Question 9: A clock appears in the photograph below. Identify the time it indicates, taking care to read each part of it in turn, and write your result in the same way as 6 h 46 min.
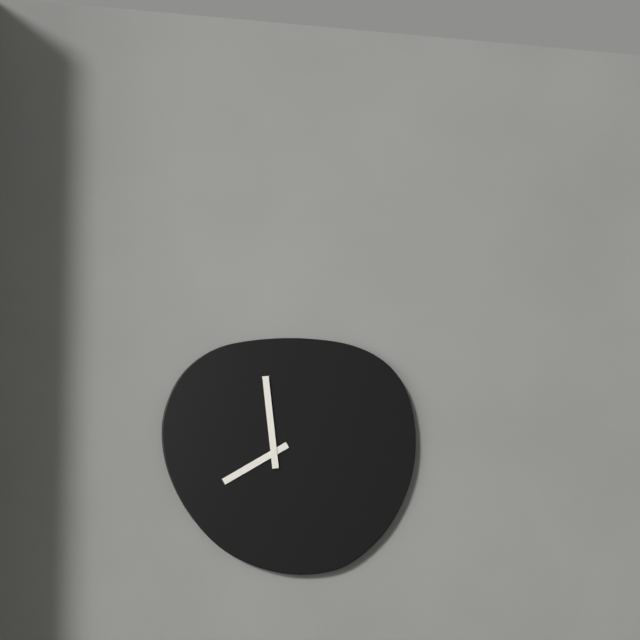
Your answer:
7 h 59 min
